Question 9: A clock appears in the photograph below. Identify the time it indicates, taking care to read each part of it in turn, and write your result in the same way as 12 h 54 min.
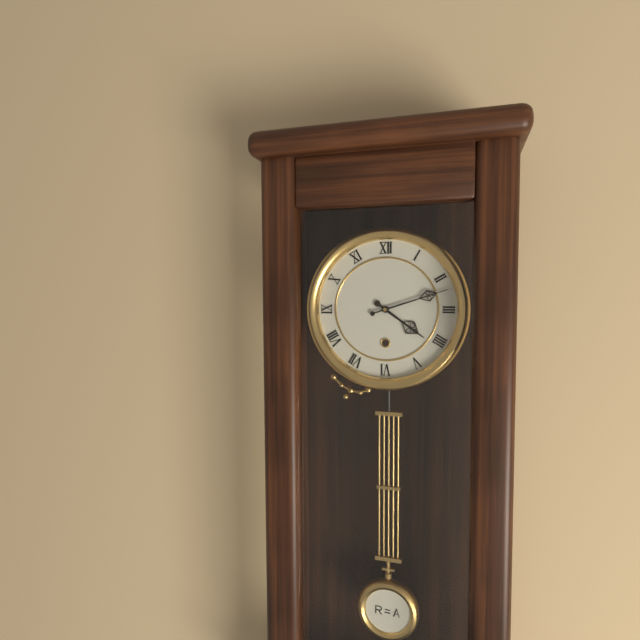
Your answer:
4 h 12 min
